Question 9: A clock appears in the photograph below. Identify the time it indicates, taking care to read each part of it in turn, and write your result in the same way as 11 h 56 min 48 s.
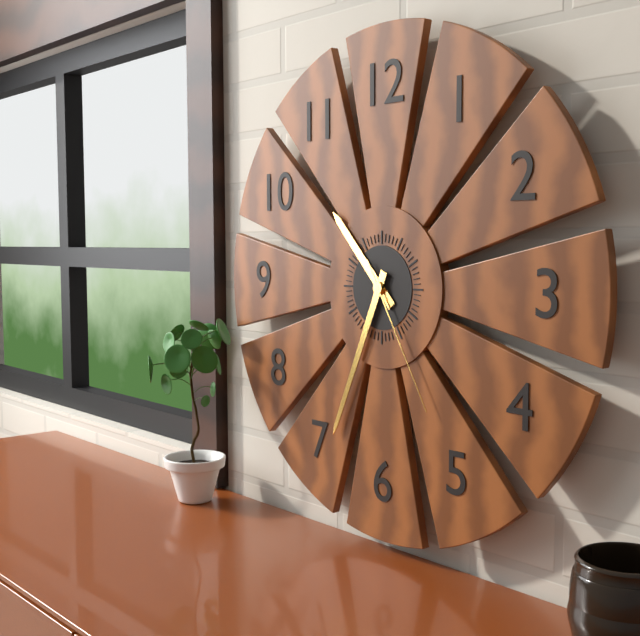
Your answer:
10 h 34 min 25 s
